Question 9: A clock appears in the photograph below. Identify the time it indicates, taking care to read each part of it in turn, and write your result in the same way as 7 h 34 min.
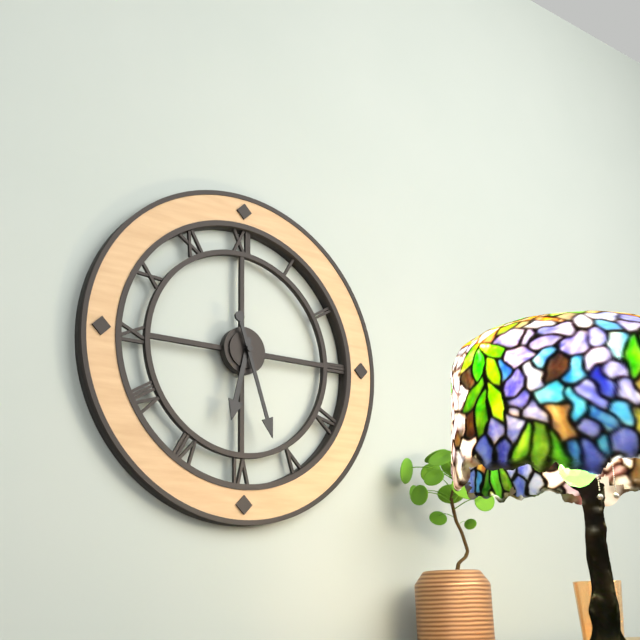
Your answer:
6 h 27 min
